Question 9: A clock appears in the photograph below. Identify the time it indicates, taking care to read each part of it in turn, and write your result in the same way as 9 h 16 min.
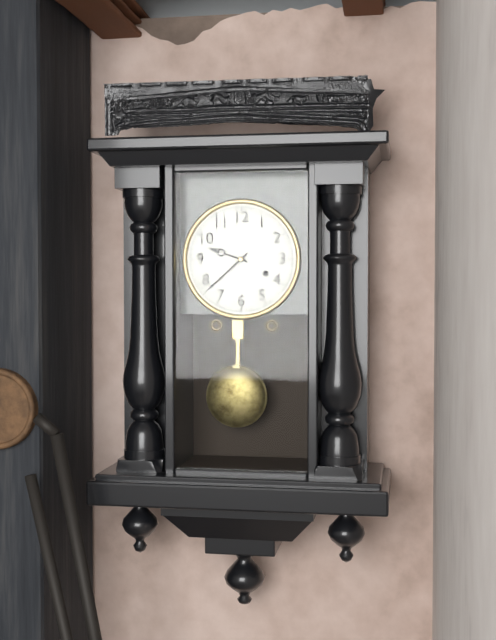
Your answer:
9 h 38 min
